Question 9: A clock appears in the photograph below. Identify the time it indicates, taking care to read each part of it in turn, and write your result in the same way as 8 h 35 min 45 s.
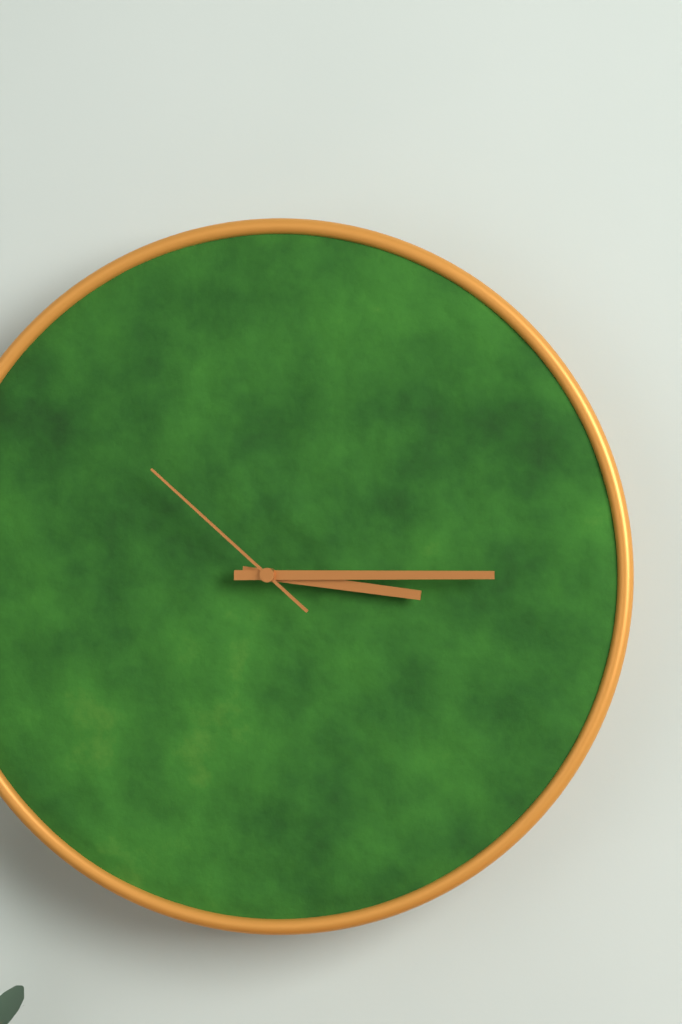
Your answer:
3 h 15 min 52 s
